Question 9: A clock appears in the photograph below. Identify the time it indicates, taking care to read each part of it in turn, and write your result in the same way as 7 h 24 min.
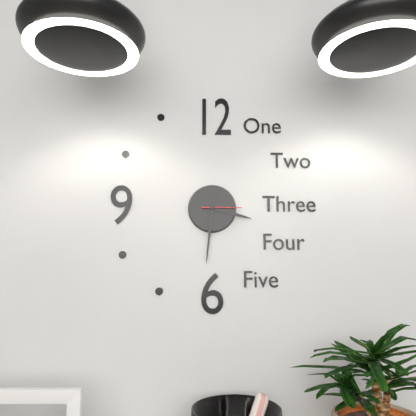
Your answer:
3 h 31 min
